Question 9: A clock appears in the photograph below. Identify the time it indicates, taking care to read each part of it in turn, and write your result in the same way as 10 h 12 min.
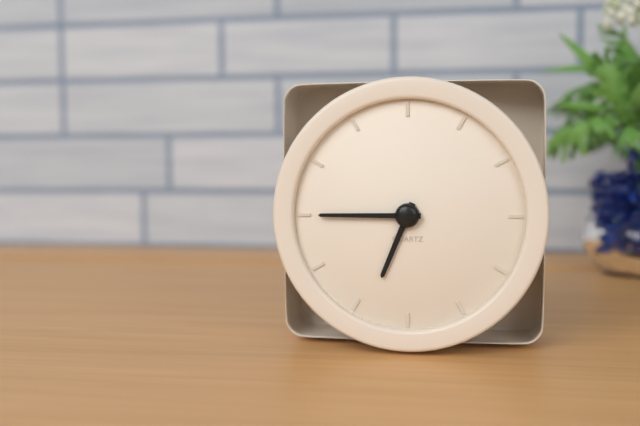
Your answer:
6 h 45 min
